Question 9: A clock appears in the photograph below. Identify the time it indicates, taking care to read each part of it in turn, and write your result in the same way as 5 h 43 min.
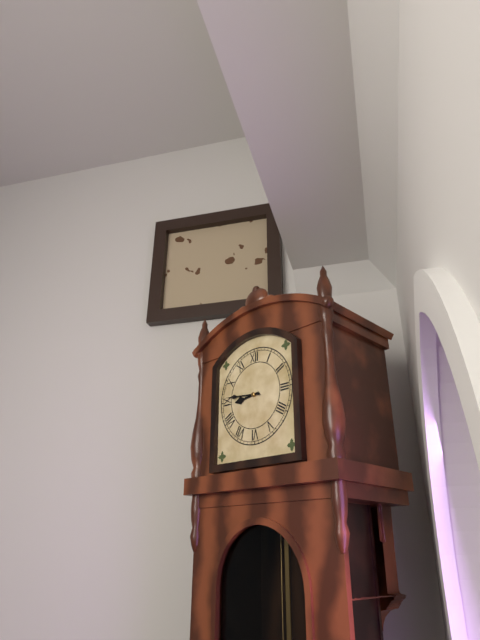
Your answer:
8 h 46 min
